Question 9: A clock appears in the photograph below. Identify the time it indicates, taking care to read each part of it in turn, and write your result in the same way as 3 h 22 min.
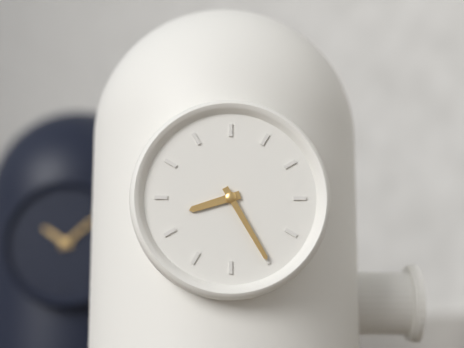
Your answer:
8 h 25 min
